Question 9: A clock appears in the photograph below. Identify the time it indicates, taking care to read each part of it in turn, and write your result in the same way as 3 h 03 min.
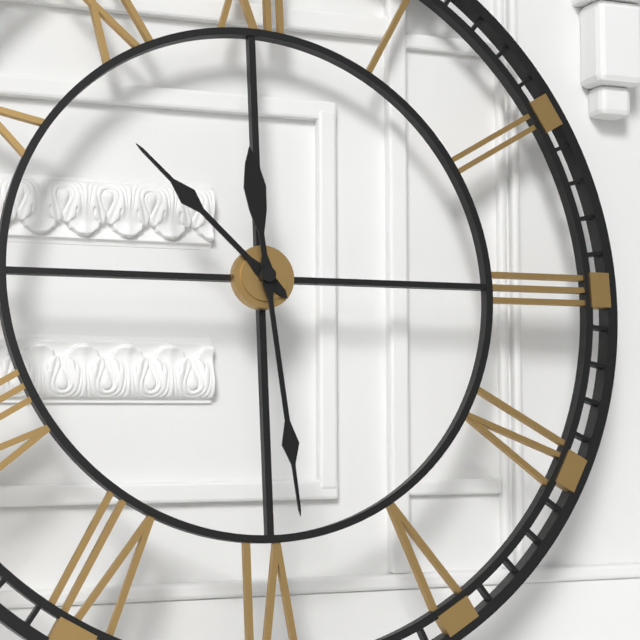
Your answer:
10 h 29 min
